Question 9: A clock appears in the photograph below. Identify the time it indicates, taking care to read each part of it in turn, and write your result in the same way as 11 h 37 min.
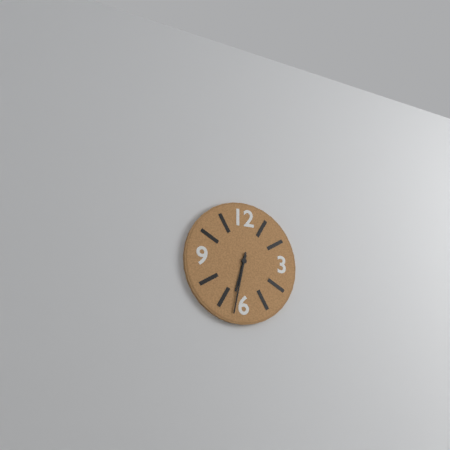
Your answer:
6 h 32 min
